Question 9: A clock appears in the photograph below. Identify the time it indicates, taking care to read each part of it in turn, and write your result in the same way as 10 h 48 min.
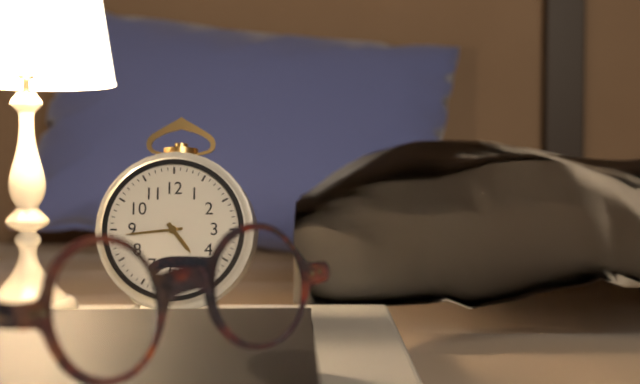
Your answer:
4 h 44 min
